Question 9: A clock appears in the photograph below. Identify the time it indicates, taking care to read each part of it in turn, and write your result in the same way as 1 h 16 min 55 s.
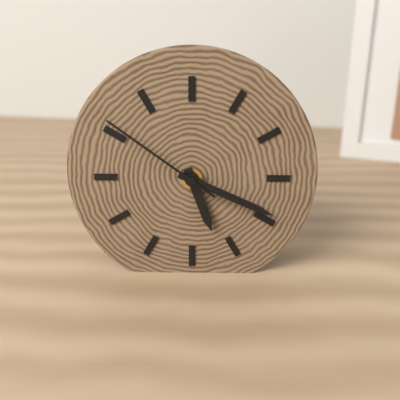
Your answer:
5 h 19 min 51 s
